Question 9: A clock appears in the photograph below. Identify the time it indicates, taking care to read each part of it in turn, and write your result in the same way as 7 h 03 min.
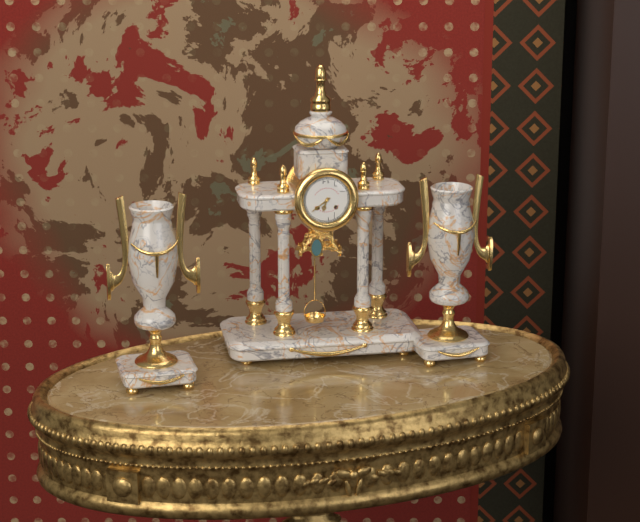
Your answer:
6 h 39 min
